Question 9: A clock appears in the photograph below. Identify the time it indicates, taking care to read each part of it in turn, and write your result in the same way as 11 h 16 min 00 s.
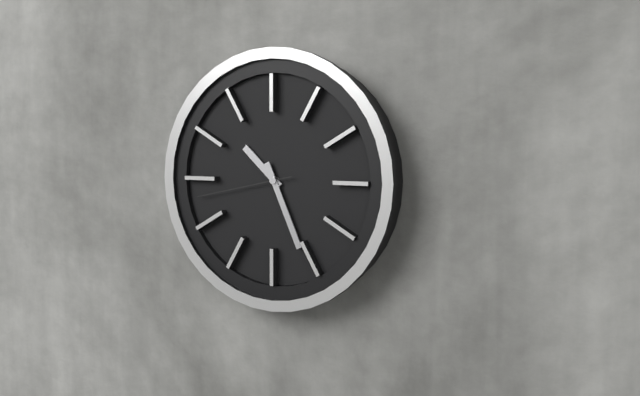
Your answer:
10 h 26 min 43 s
